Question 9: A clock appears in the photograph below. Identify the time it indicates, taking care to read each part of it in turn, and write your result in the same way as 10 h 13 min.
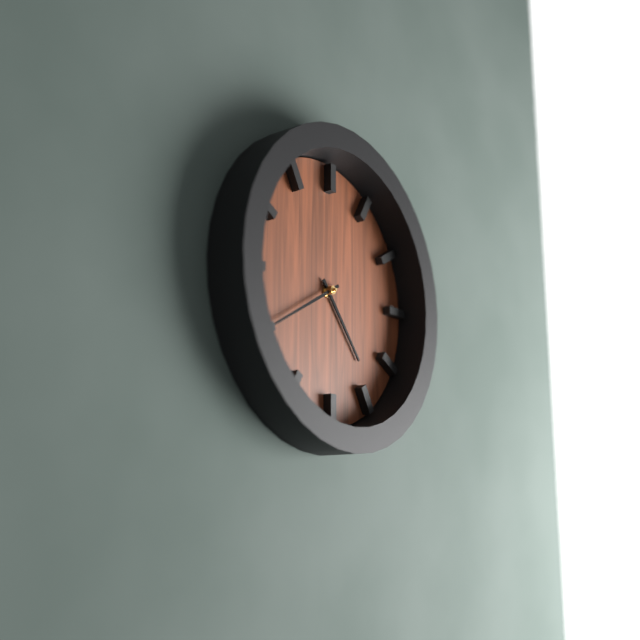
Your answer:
4 h 40 min
